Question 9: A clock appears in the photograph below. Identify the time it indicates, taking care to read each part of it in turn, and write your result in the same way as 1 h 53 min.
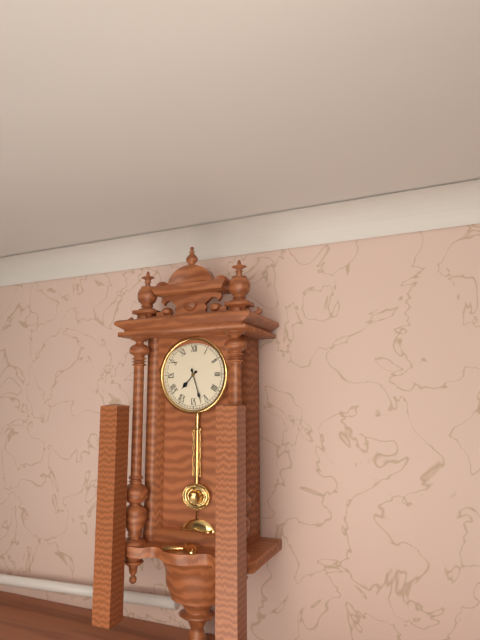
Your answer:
7 h 27 min
